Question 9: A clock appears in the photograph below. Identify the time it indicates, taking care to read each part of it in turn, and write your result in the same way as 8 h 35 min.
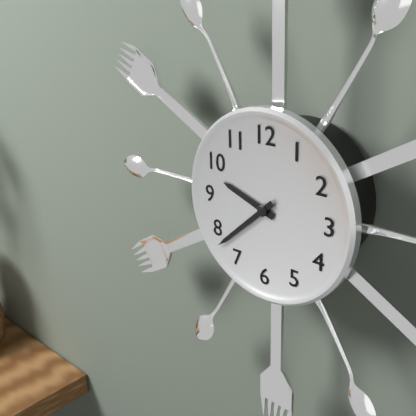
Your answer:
9 h 38 min
